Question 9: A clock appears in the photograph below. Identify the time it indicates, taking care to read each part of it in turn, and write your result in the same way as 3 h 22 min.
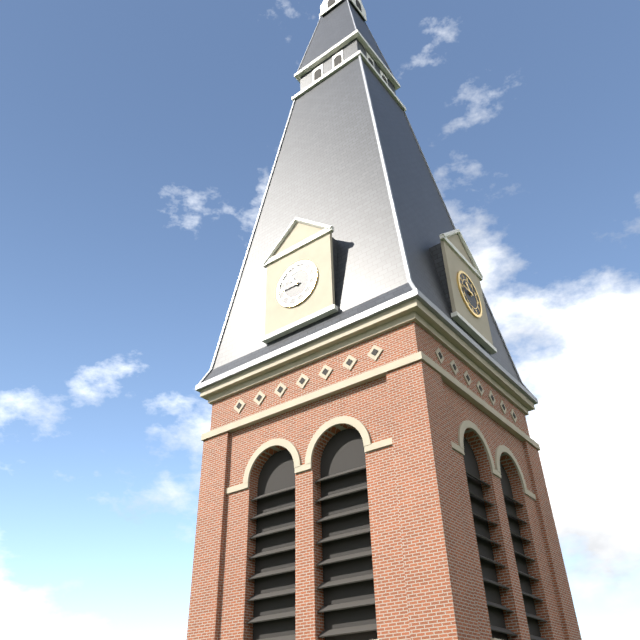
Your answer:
10 h 45 min
